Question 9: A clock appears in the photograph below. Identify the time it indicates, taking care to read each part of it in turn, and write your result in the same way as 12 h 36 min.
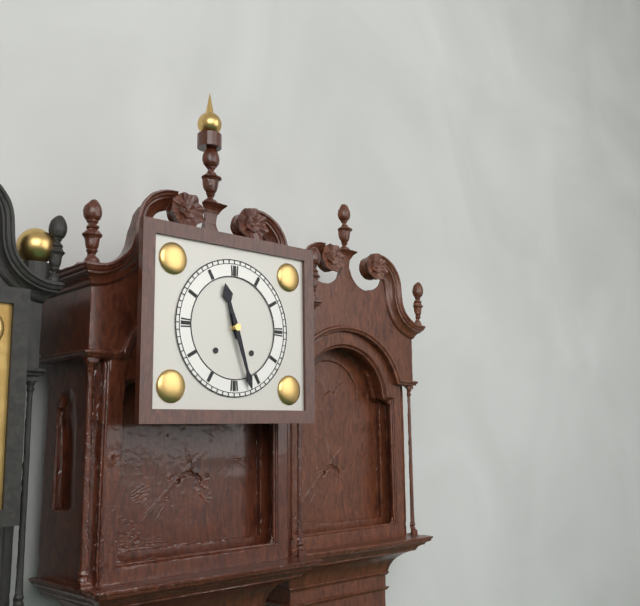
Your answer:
11 h 27 min
